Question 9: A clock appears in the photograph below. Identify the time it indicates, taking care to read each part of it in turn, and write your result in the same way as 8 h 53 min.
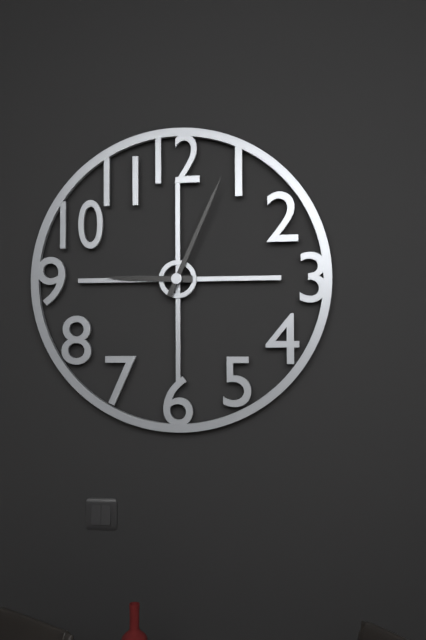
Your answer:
9 h 04 min
